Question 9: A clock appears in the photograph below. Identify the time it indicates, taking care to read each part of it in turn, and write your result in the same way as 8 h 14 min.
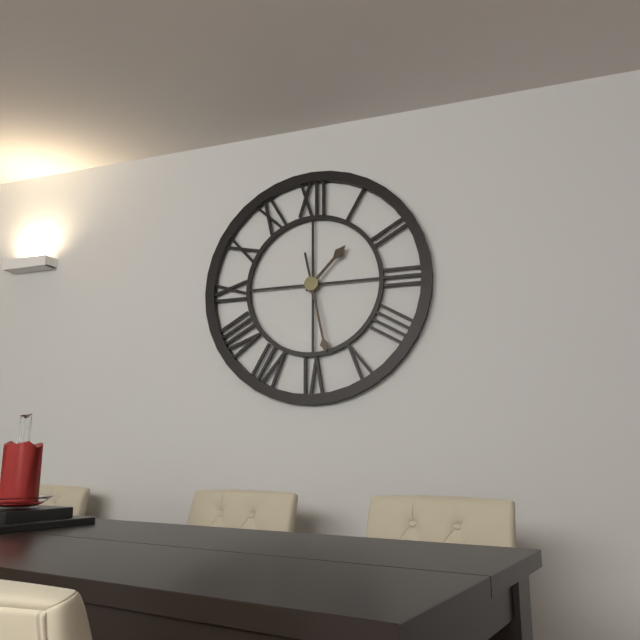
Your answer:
1 h 28 min
